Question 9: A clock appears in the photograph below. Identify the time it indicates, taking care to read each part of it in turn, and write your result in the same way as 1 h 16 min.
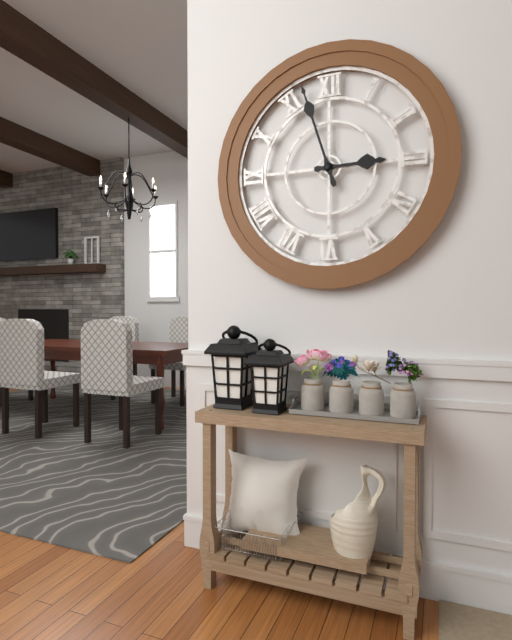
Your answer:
2 h 57 min
